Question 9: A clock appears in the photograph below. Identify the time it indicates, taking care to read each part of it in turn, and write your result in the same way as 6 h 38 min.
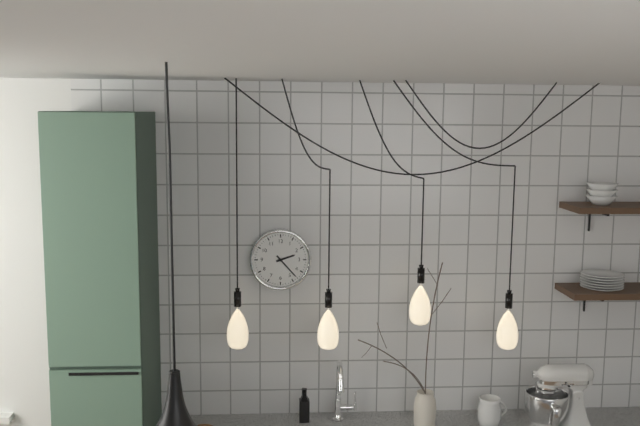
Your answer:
2 h 23 min
